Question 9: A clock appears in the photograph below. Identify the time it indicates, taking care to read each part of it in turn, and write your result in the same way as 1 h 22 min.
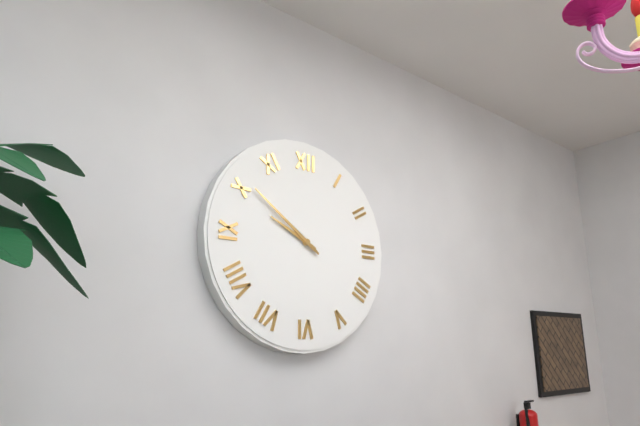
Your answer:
9 h 51 min
